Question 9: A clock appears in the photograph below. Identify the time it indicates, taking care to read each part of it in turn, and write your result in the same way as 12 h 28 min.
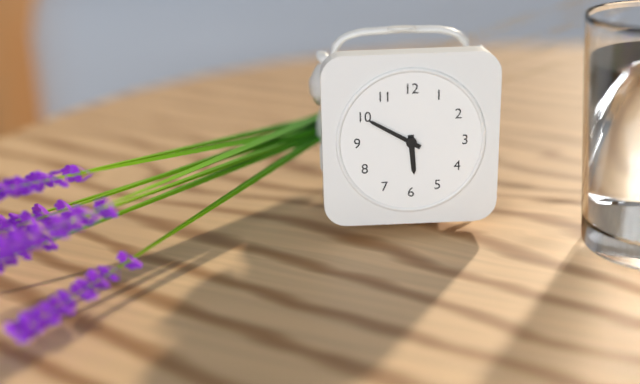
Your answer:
5 h 50 min
